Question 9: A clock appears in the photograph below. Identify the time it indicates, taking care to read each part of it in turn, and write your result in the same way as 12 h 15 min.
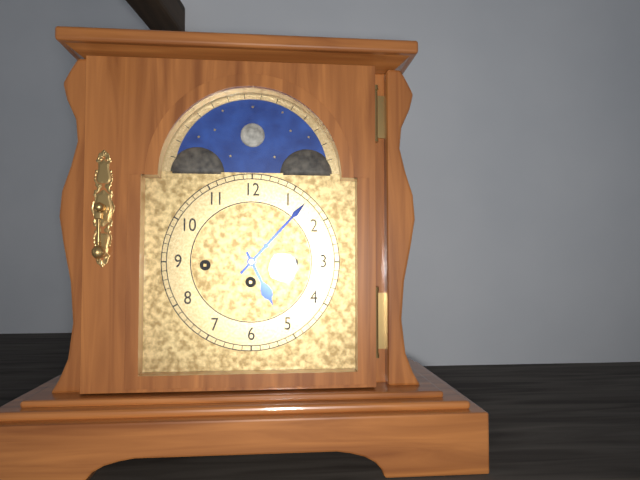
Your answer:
5 h 07 min
